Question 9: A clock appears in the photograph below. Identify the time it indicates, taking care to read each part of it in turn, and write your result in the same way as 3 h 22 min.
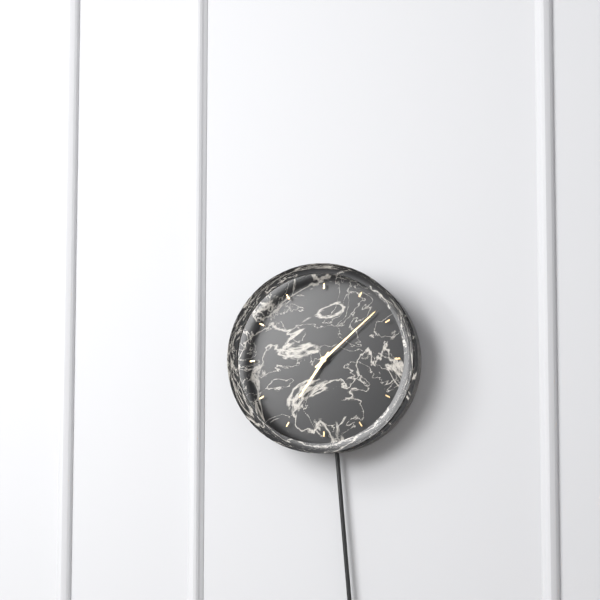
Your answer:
7 h 08 min
